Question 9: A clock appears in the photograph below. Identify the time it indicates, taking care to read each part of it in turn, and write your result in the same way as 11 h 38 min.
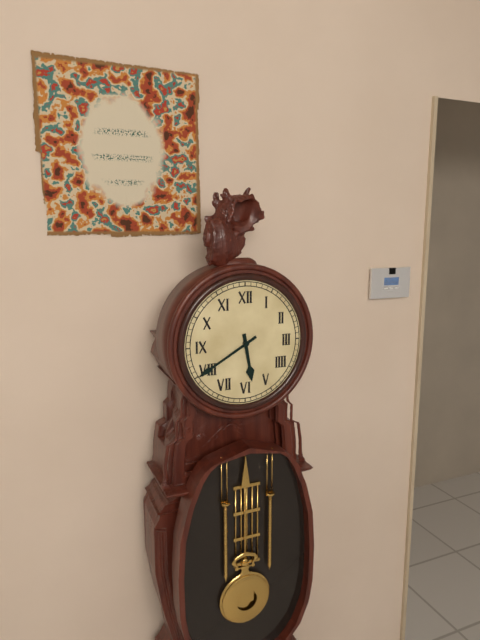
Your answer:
5 h 40 min
